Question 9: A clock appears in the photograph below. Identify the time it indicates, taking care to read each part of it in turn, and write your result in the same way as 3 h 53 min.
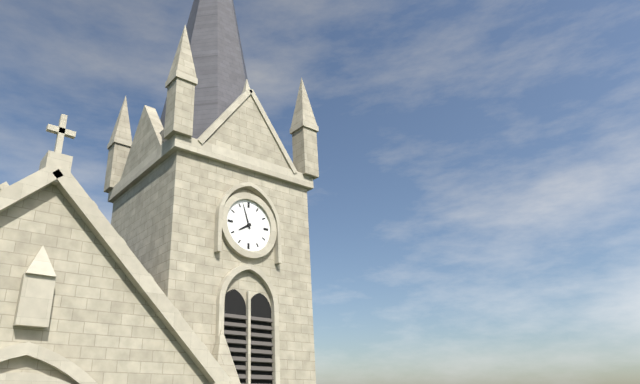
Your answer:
7 h 57 min
